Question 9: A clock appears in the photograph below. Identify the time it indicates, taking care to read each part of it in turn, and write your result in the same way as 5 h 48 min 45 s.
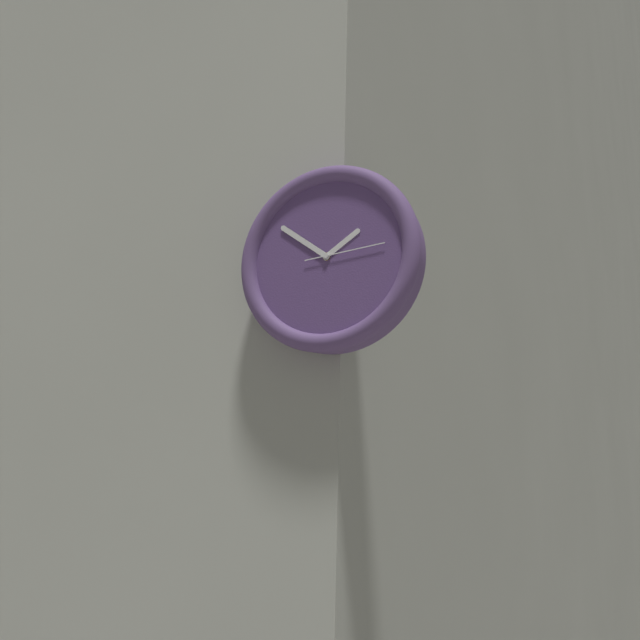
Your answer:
1 h 51 min 14 s
